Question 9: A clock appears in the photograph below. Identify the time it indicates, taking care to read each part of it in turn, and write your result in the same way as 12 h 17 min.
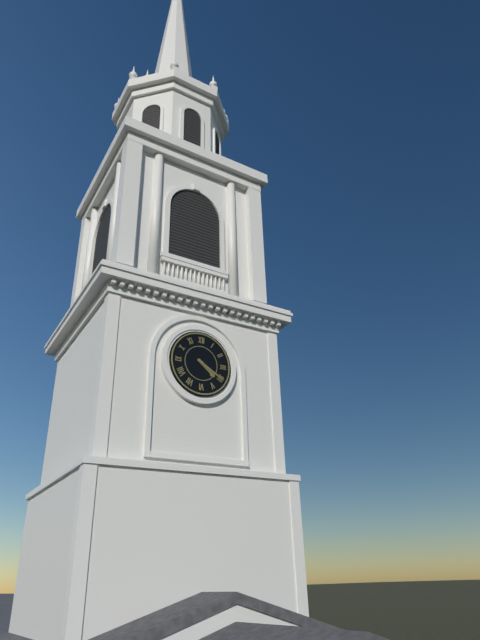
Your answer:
4 h 20 min
